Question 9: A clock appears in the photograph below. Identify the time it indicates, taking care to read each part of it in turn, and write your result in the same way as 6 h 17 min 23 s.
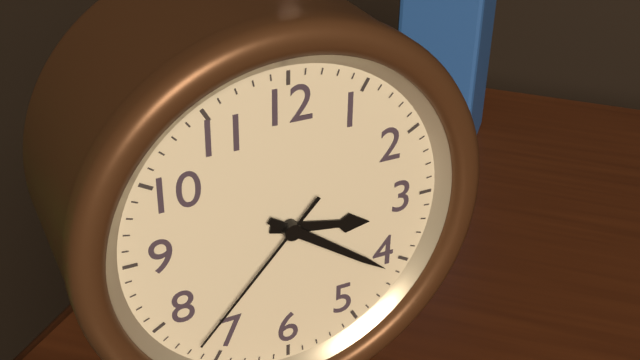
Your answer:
3 h 21 min 37 s
